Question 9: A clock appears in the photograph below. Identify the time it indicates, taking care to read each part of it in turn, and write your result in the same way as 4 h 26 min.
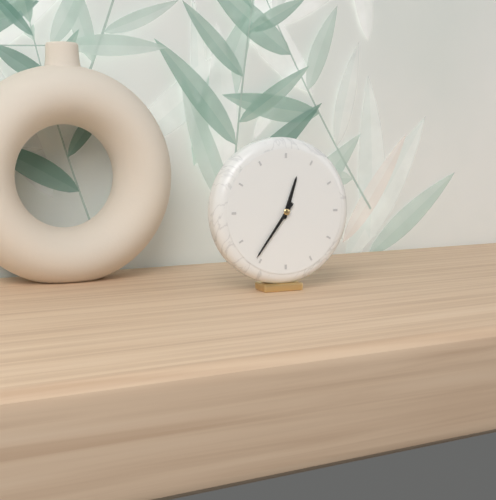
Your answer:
12 h 36 min
